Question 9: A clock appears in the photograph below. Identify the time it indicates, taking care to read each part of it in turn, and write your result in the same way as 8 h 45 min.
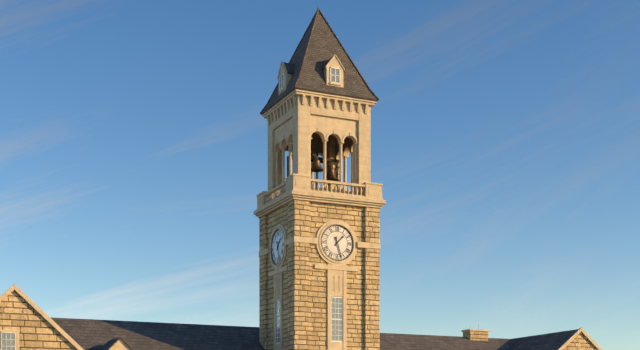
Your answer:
1 h 27 min
